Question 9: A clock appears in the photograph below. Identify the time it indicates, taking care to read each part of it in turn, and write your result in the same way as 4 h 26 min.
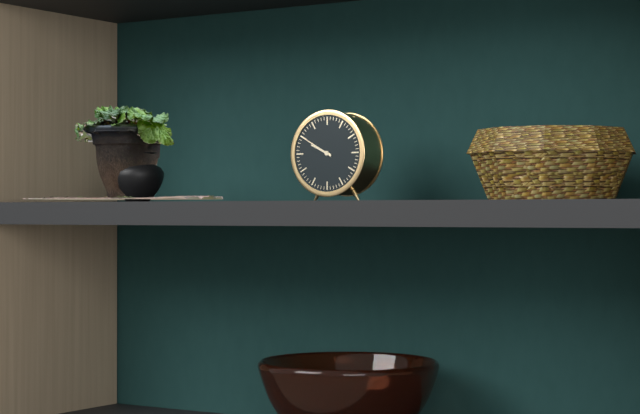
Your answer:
9 h 50 min
